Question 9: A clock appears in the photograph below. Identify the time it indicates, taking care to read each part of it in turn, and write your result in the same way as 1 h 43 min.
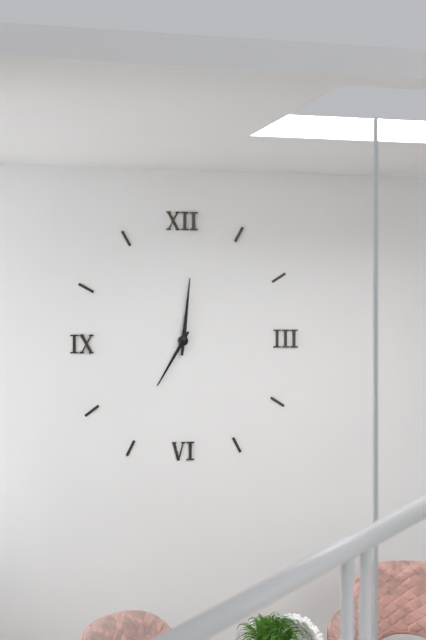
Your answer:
7 h 01 min
